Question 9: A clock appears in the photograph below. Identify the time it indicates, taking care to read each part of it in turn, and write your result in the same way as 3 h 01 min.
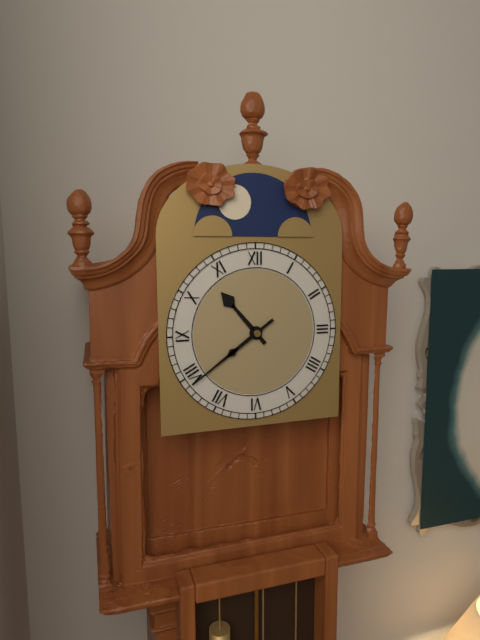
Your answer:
10 h 39 min
